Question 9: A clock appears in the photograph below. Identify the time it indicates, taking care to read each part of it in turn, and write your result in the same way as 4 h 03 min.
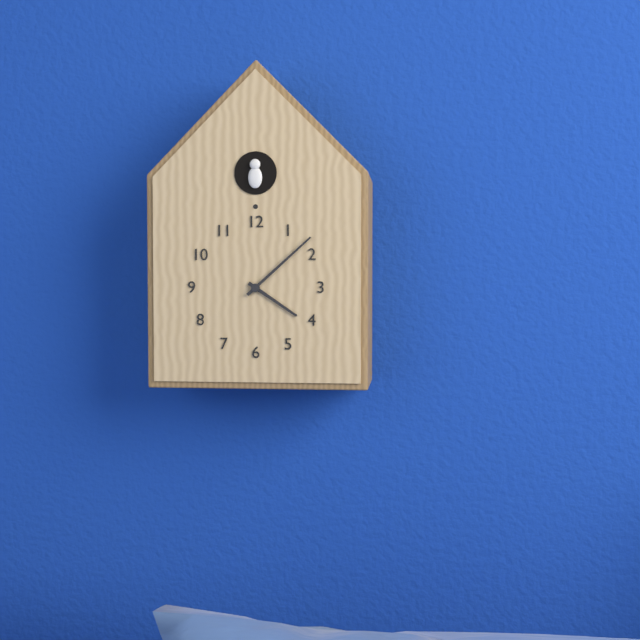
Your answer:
4 h 08 min
